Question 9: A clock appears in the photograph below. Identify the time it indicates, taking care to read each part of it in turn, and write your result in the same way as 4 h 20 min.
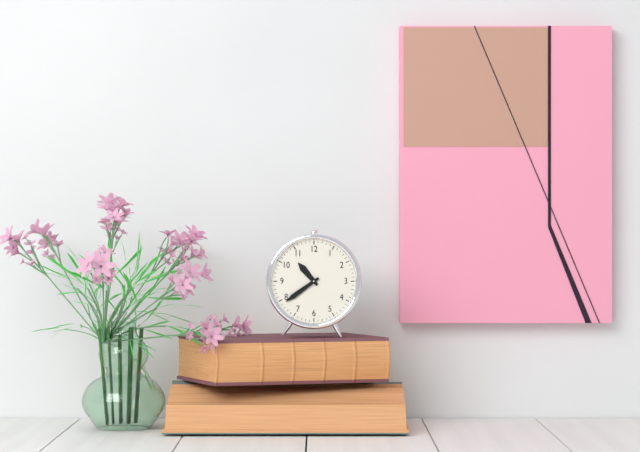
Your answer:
10 h 39 min
